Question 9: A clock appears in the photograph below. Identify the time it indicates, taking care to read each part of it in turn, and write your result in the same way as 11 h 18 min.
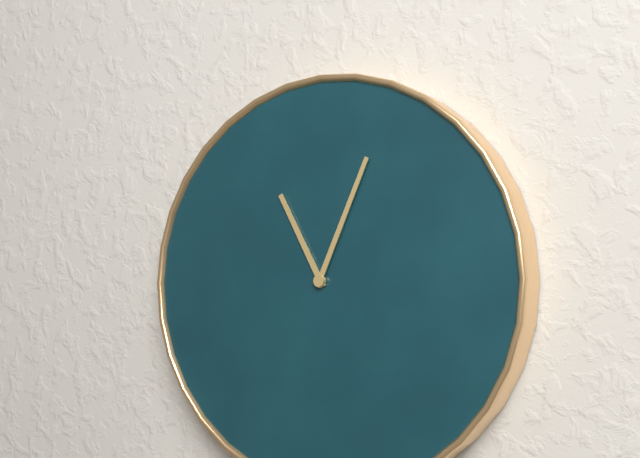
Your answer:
11 h 04 min
